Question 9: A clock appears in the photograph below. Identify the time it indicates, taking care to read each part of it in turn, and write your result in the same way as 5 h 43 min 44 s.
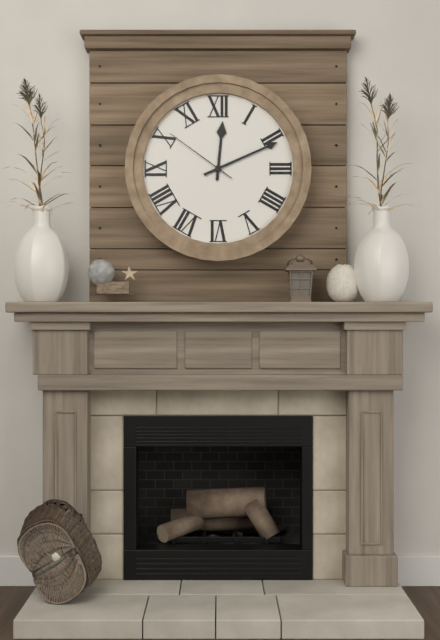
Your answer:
12 h 11 min 51 s
